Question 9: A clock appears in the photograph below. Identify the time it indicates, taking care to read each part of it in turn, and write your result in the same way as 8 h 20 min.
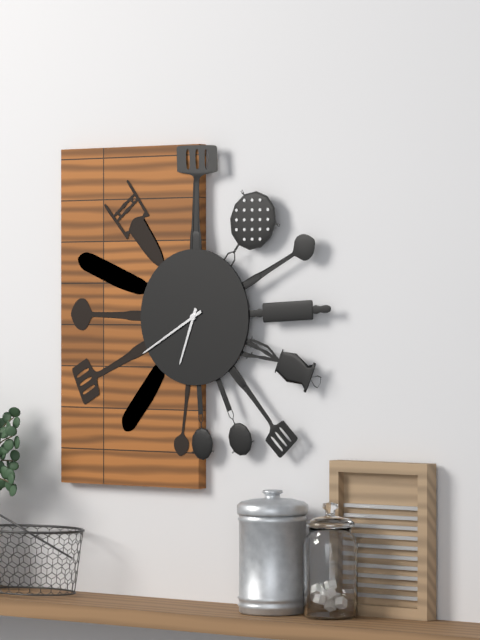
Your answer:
6 h 40 min
